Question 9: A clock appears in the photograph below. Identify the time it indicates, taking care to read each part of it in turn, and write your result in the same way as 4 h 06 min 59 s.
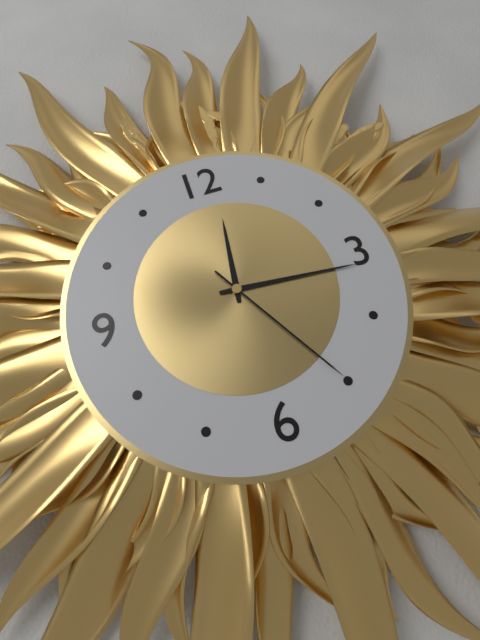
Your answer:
12 h 16 min 25 s
